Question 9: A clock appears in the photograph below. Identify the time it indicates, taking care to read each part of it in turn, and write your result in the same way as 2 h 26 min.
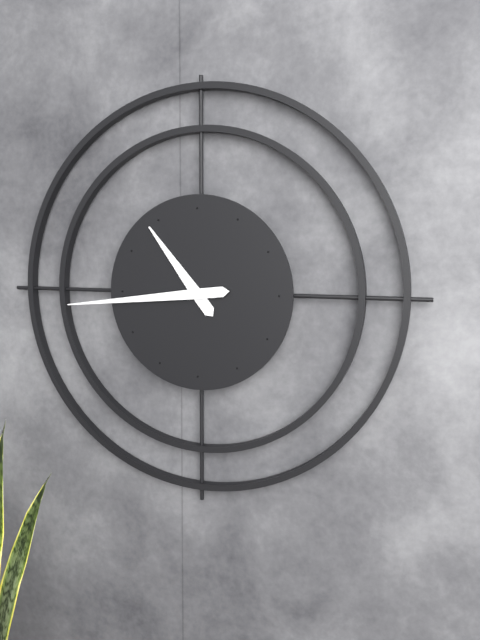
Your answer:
10 h 44 min
